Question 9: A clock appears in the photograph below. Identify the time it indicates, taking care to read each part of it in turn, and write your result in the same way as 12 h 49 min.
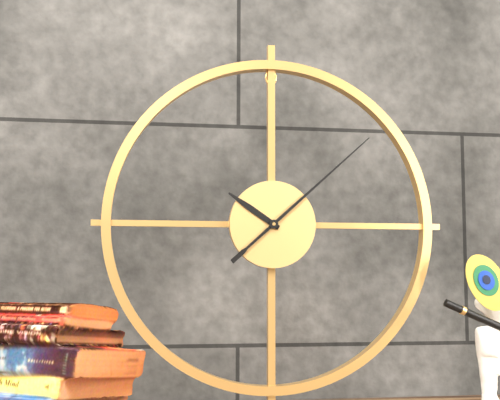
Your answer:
10 h 08 min
